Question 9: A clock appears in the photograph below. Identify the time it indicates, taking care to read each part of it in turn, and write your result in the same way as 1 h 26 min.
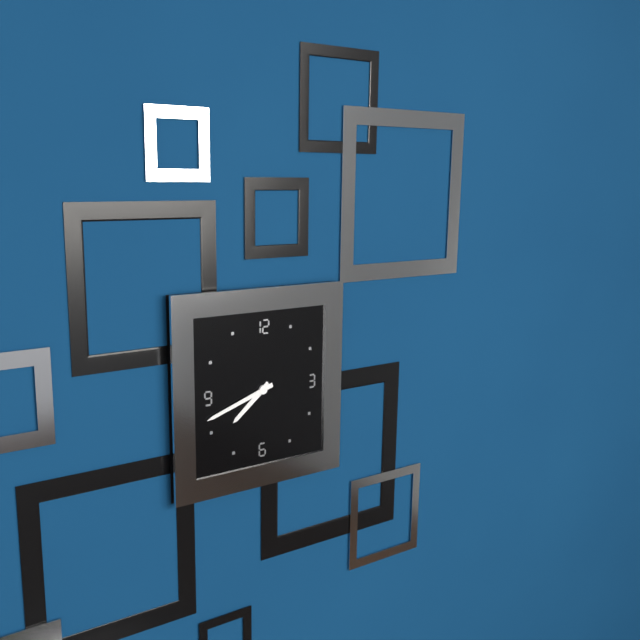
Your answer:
7 h 42 min
